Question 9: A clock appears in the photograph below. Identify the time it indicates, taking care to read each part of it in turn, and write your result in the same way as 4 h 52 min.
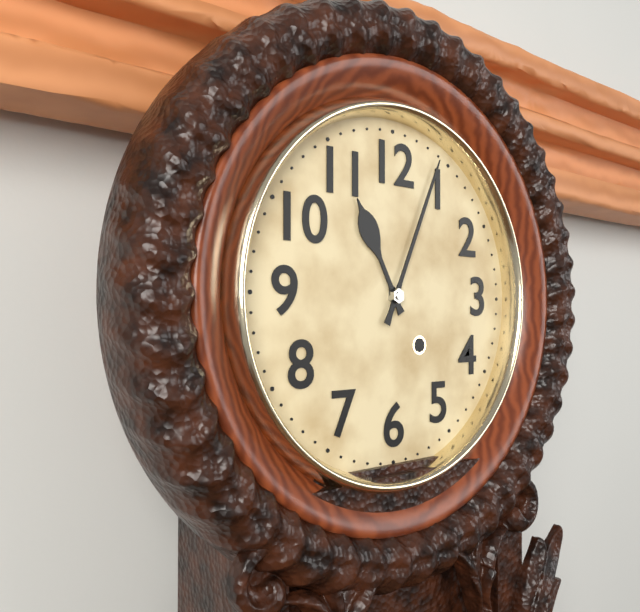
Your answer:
11 h 04 min
